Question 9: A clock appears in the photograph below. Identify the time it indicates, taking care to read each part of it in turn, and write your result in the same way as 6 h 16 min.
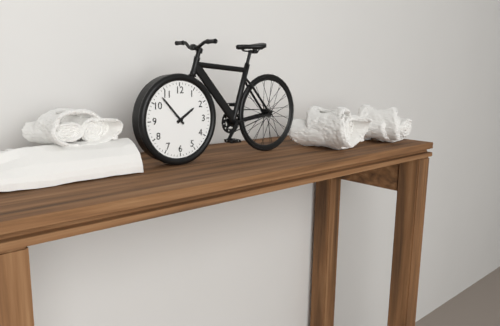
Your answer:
1 h 53 min
